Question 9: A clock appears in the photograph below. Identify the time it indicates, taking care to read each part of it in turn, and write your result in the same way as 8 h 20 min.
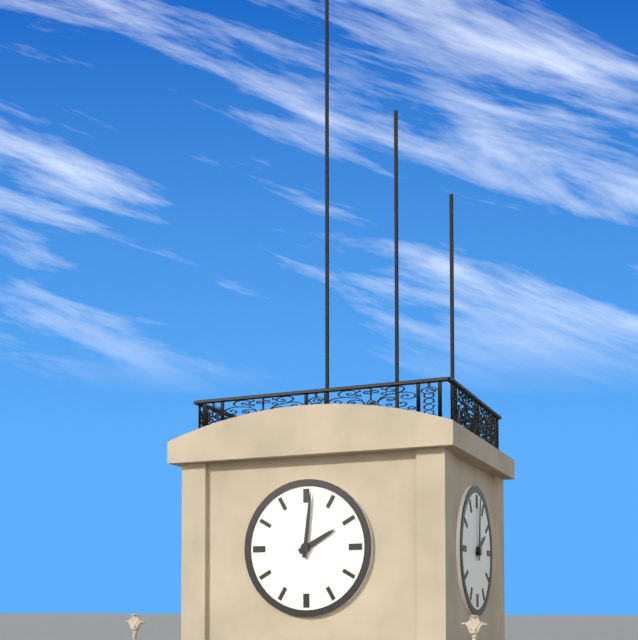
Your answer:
2 h 01 min
